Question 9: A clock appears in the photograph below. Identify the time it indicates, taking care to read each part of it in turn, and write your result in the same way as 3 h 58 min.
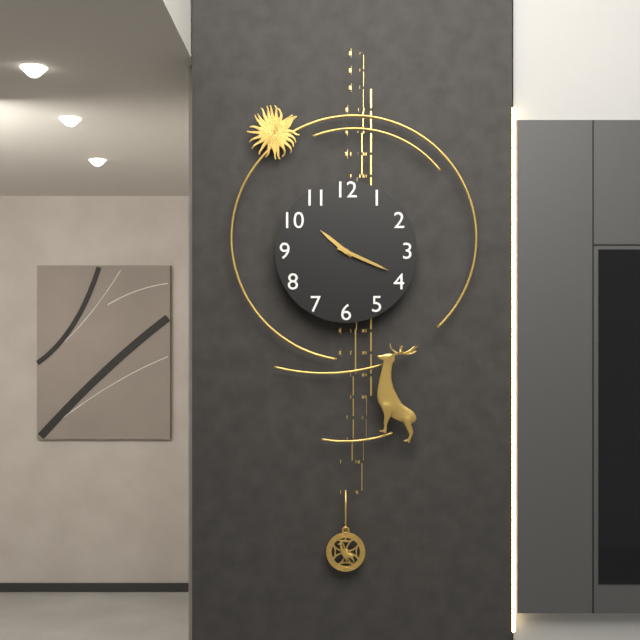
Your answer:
10 h 19 min
